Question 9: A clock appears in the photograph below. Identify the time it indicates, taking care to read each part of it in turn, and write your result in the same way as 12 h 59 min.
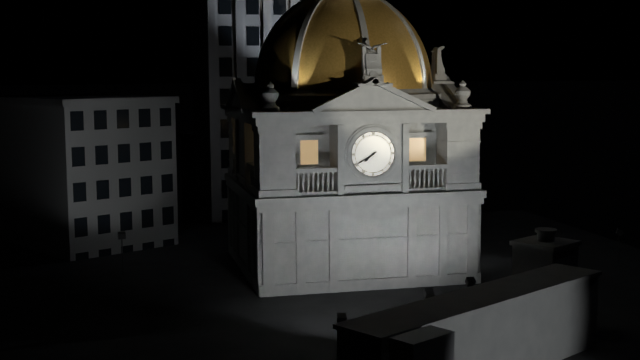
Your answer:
7 h 40 min
